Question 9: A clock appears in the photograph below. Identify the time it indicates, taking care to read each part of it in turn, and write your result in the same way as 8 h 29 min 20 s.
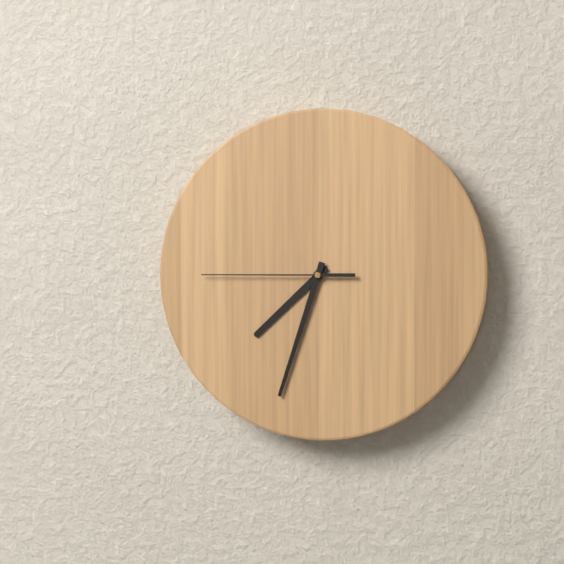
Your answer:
7 h 33 min 45 s
